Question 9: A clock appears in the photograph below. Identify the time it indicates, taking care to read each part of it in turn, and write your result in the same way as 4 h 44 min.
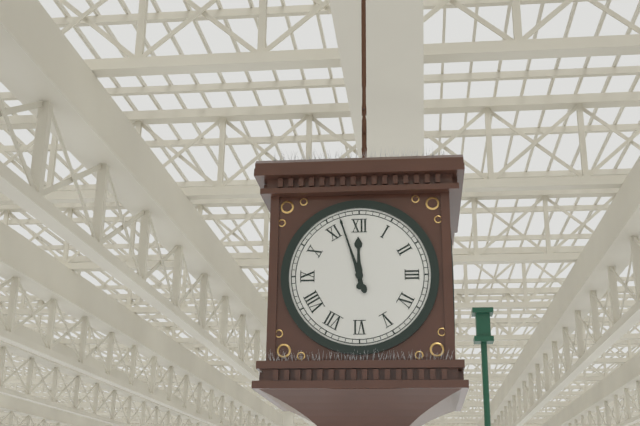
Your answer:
11 h 57 min
